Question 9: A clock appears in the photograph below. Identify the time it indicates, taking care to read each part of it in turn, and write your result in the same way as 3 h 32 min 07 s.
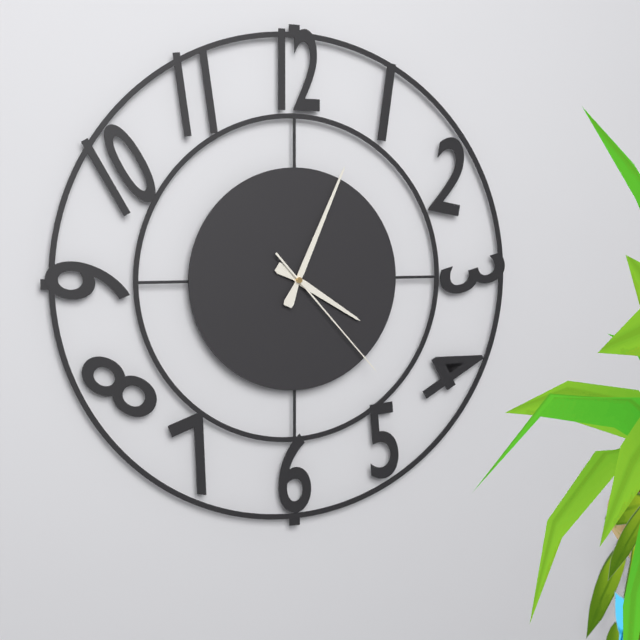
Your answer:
4 h 04 min 23 s
